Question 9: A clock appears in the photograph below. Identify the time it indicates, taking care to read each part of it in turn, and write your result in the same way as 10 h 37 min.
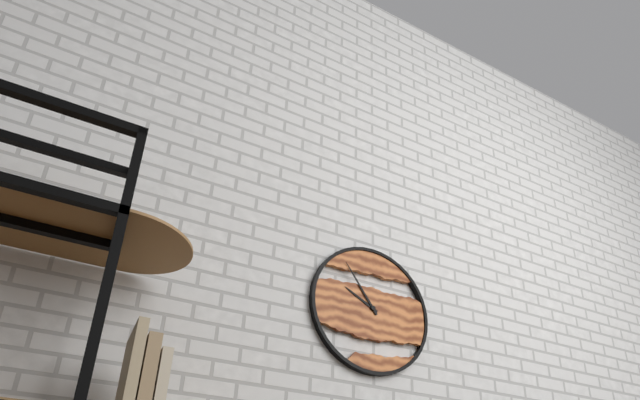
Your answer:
9 h 54 min
